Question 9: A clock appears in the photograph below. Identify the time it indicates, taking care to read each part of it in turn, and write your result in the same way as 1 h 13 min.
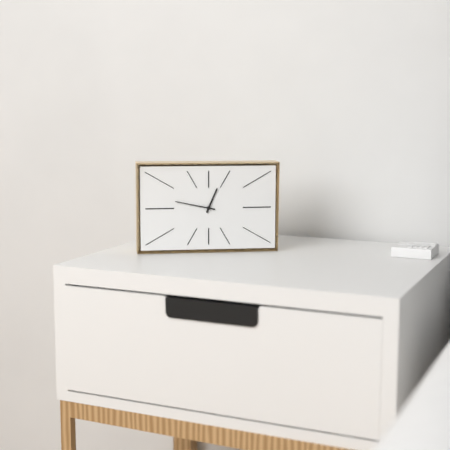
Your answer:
12 h 47 min
